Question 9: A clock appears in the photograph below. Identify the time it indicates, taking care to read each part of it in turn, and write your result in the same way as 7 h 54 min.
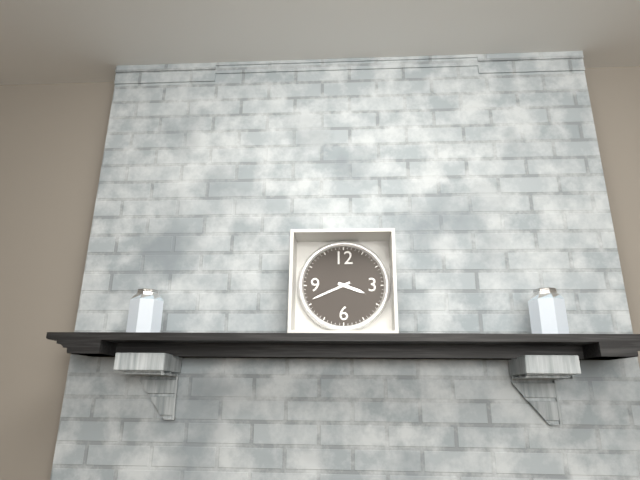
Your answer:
3 h 41 min
